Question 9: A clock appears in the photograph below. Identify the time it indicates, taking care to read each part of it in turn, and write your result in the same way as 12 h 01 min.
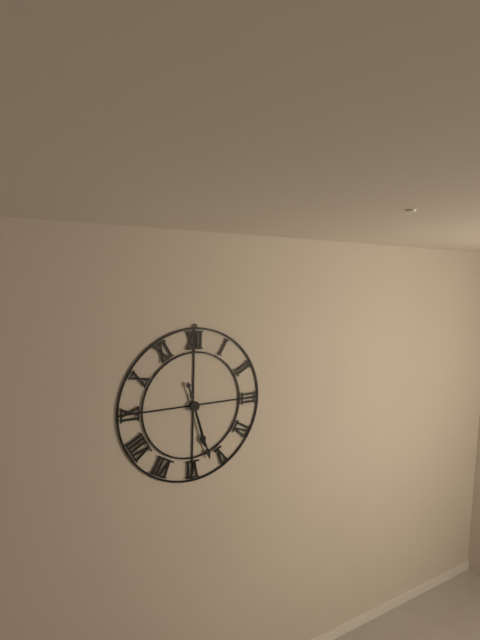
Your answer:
5 h 27 min
